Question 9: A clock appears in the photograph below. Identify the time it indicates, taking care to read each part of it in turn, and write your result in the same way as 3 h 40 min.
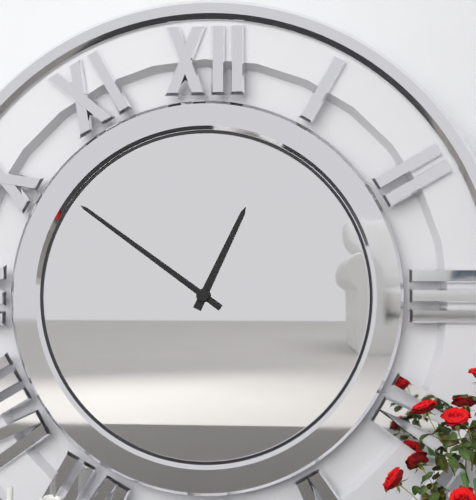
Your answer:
12 h 51 min
